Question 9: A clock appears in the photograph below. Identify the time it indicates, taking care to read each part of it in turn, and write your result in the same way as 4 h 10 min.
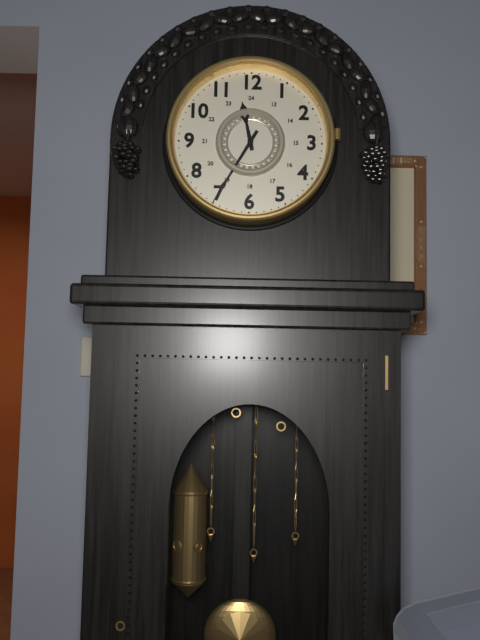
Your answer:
11 h 35 min
